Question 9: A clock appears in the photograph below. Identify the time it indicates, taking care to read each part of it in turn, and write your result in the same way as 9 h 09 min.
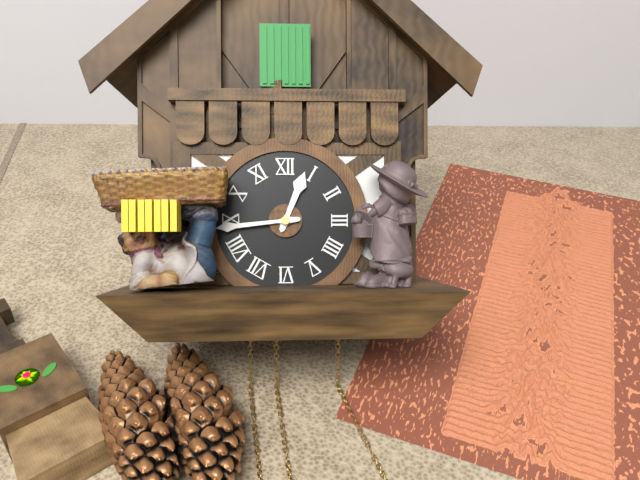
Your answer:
12 h 44 min
